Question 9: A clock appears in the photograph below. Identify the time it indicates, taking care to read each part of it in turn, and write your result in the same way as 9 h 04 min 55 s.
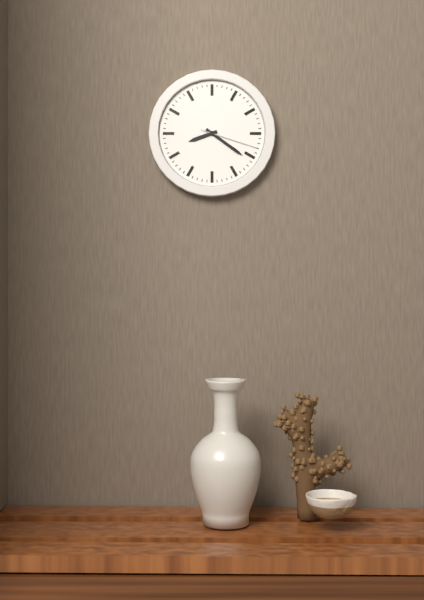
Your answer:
8 h 21 min 18 s
